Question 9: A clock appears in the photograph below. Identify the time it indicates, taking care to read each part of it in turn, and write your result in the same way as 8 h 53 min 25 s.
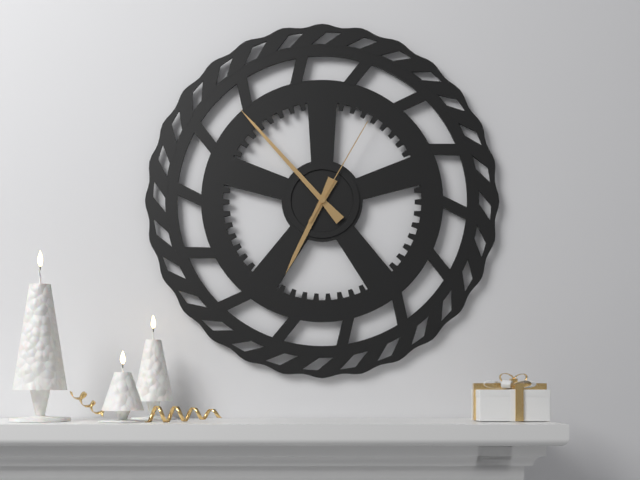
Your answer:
6 h 53 min 05 s
